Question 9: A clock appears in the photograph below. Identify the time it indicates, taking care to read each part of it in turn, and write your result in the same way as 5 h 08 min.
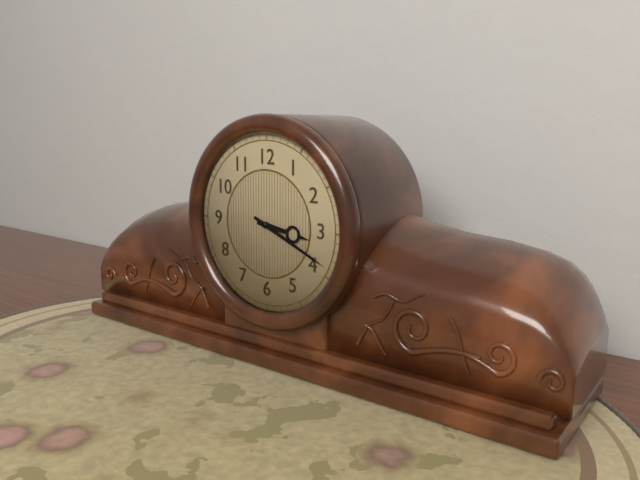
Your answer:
3 h 19 min
